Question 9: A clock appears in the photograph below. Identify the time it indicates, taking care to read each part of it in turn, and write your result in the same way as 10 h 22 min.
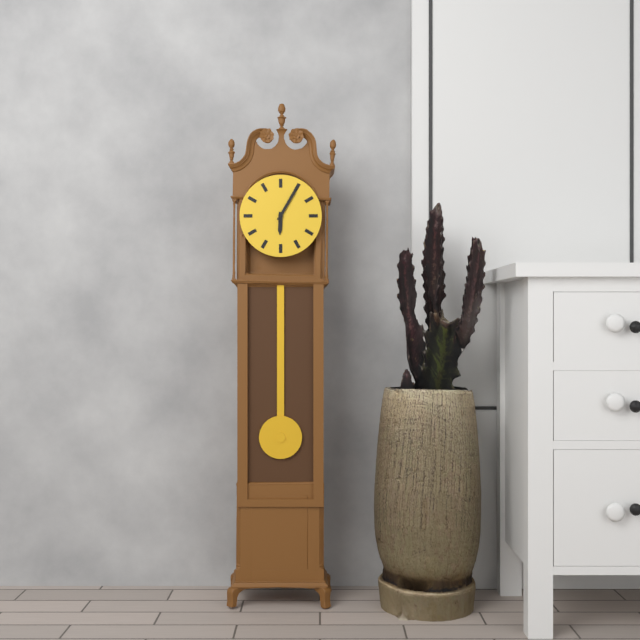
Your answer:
6 h 05 min
